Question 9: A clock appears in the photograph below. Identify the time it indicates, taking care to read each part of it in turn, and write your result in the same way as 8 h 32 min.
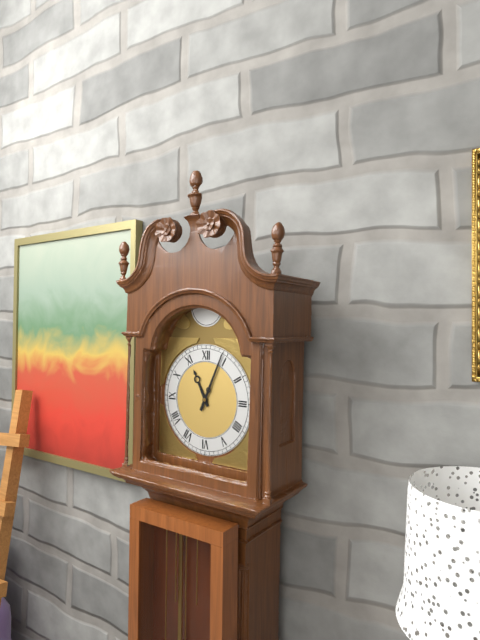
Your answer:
11 h 04 min
